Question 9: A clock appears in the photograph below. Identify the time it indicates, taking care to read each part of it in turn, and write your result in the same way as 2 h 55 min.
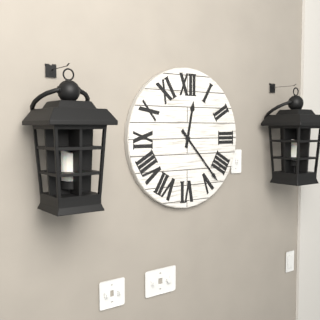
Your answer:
12 h 23 min
